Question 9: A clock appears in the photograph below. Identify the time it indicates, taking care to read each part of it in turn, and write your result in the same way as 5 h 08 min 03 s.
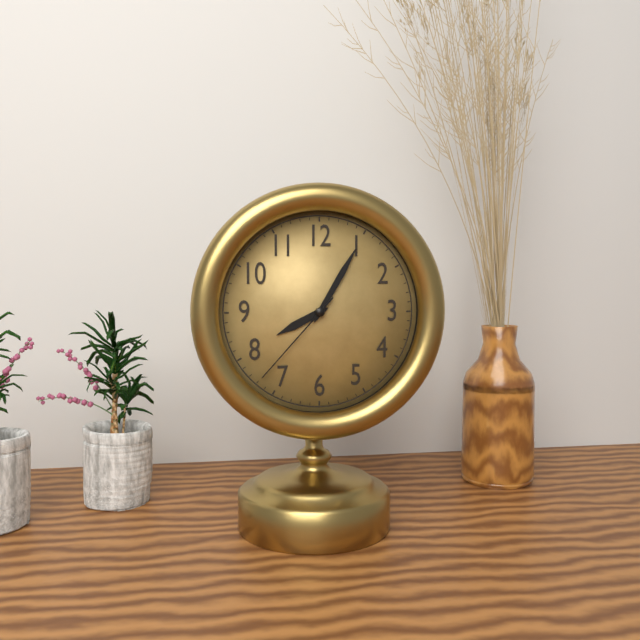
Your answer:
8 h 05 min 37 s
